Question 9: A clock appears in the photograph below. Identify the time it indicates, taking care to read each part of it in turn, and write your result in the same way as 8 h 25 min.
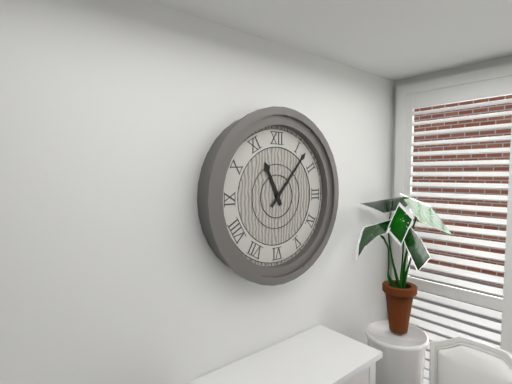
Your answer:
11 h 07 min
